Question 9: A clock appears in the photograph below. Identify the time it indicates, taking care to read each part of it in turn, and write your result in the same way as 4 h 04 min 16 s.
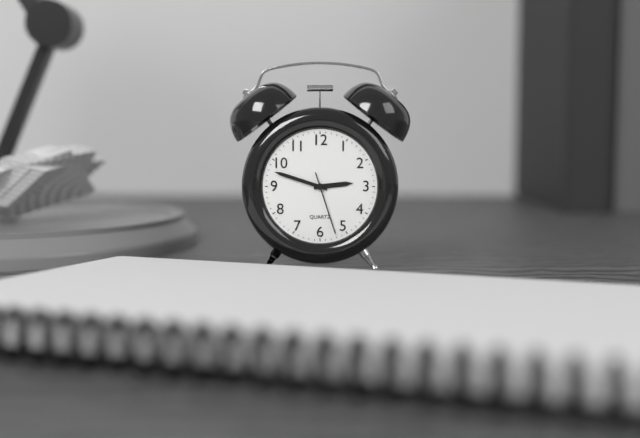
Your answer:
2 h 48 min 27 s
